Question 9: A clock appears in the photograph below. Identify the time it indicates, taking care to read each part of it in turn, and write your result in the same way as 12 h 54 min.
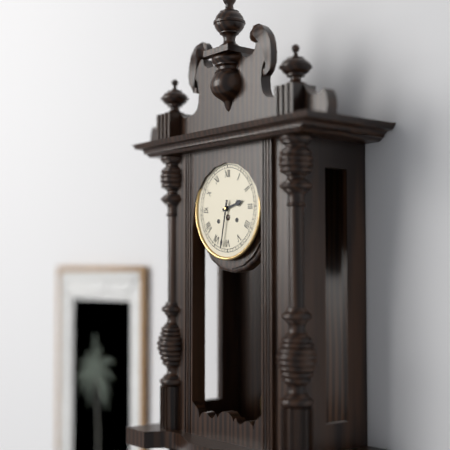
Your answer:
2 h 32 min
